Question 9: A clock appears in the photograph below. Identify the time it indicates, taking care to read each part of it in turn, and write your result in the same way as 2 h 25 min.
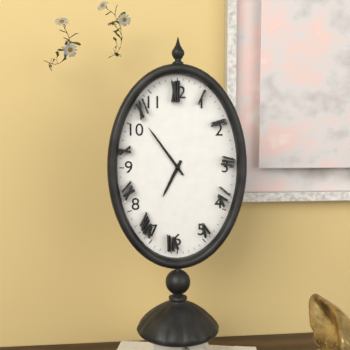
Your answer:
6 h 54 min
